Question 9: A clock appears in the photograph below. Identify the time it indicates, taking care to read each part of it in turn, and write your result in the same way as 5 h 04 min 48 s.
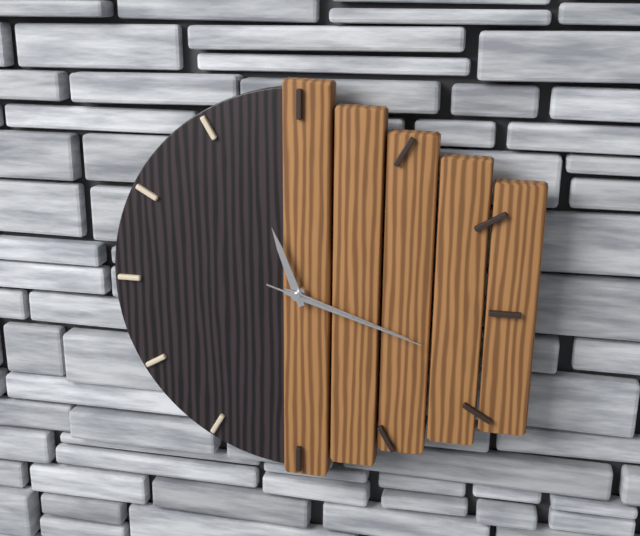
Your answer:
11 h 18 min 18 s
